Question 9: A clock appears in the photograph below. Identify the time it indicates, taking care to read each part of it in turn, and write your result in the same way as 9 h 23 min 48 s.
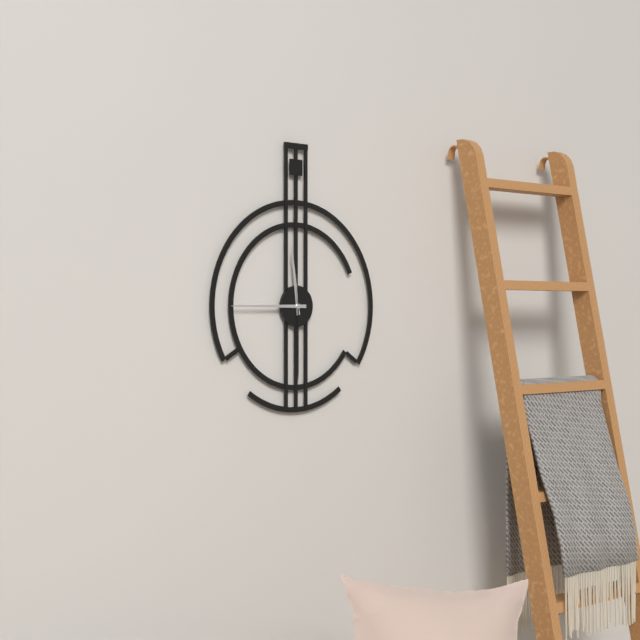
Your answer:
11 h 45 min 30 s
